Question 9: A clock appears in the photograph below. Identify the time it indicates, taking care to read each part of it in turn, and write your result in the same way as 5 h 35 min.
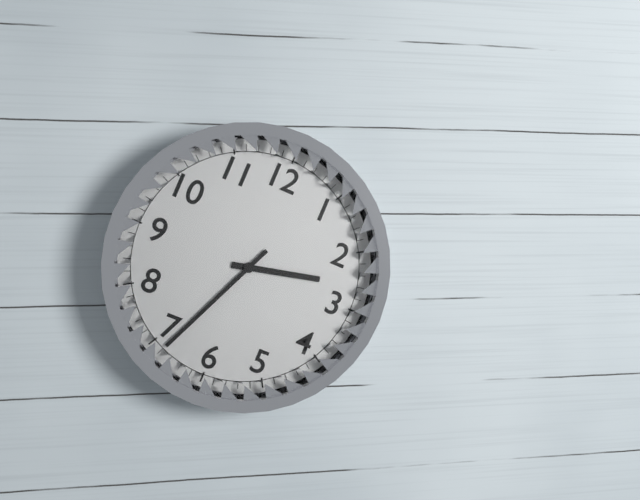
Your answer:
2 h 34 min
